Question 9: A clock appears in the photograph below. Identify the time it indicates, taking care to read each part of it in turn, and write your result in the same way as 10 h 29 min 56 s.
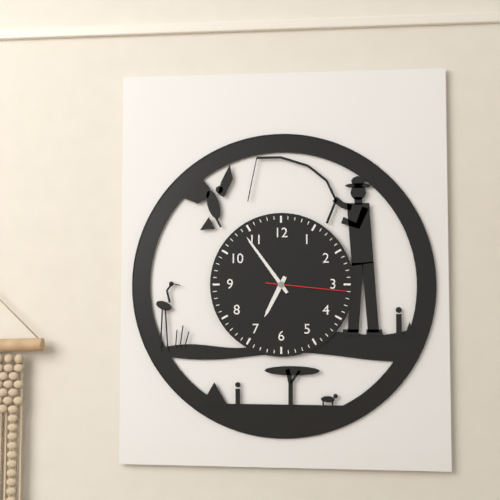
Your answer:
6 h 54 min 16 s
